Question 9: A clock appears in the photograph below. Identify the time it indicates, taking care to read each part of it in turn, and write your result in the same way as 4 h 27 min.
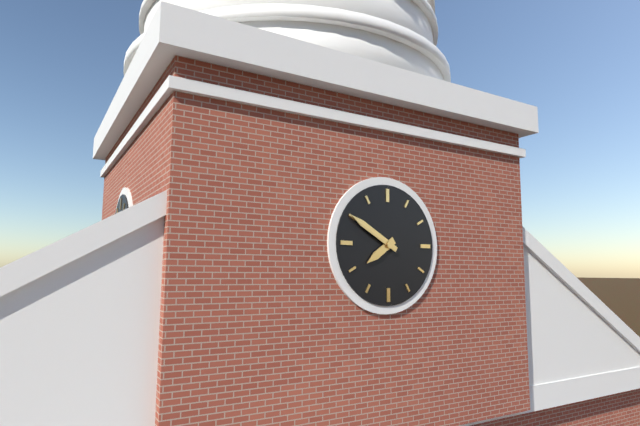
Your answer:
7 h 50 min
